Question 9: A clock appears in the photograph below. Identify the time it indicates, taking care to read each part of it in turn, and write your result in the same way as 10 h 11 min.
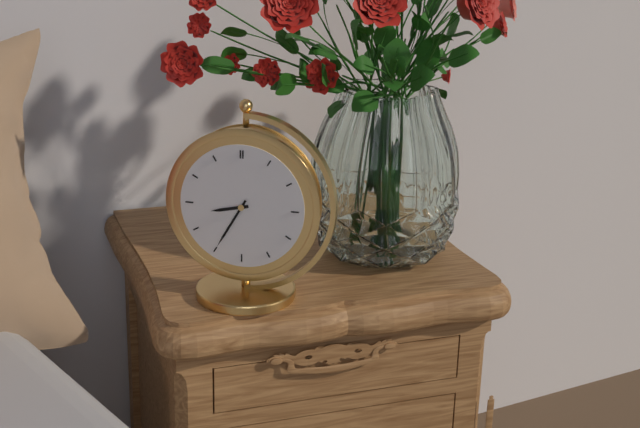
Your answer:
8 h 35 min
